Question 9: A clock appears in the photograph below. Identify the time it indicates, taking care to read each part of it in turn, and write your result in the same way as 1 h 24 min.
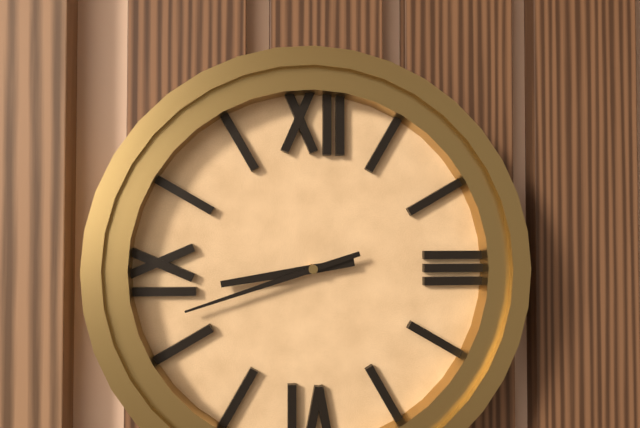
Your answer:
8 h 42 min
